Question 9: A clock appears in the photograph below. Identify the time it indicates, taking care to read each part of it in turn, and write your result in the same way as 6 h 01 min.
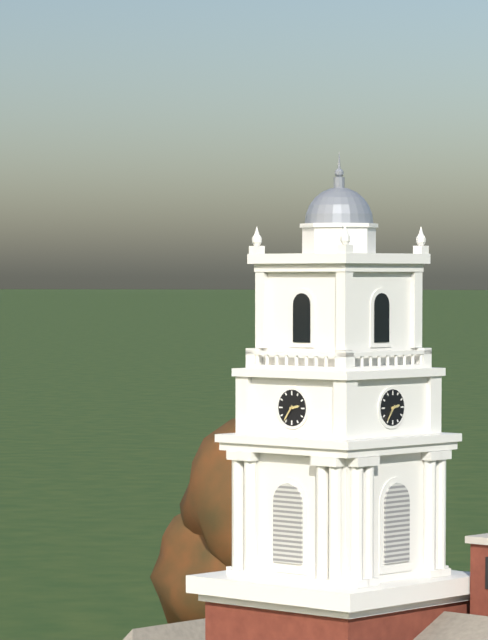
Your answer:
2 h 36 min
